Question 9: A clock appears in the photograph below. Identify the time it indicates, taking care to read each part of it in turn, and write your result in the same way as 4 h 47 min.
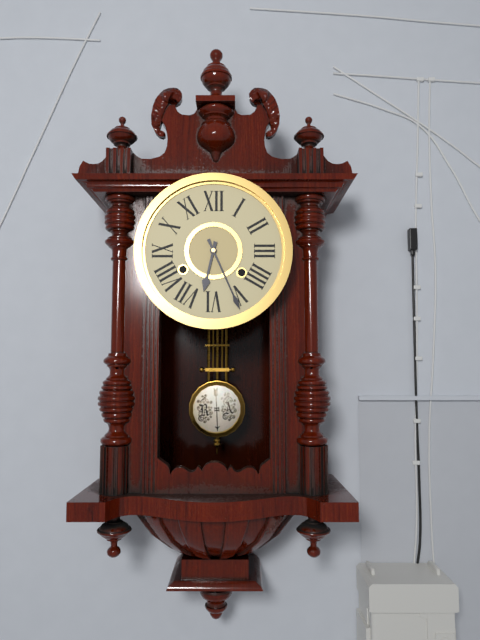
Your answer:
6 h 26 min
